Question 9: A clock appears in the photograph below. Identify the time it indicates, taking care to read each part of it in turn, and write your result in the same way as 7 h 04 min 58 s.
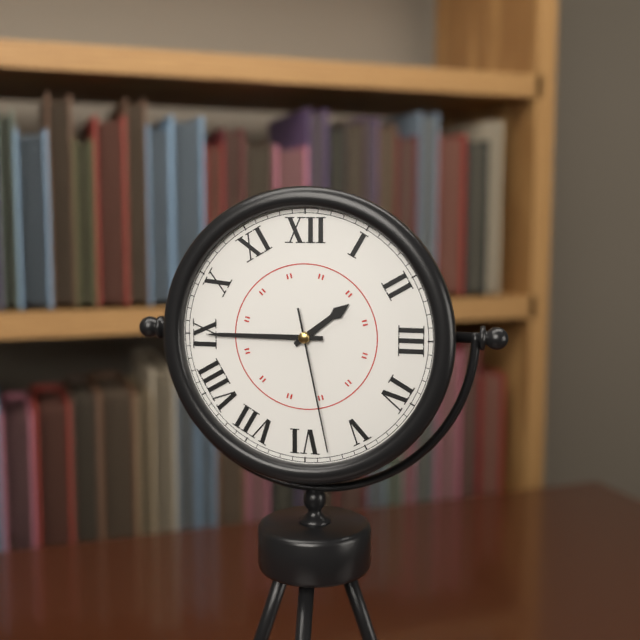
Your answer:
1 h 45 min 28 s
